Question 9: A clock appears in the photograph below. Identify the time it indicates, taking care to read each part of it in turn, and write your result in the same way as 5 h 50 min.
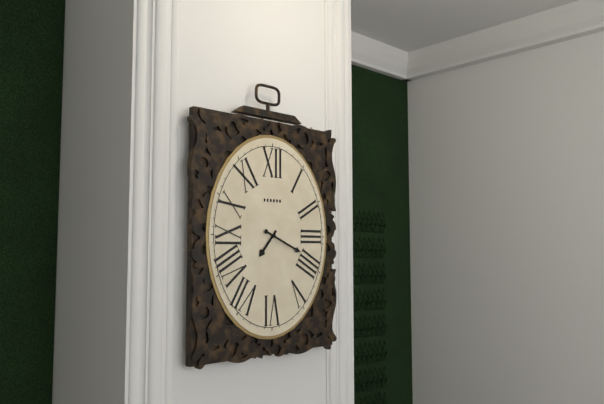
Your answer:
7 h 19 min
